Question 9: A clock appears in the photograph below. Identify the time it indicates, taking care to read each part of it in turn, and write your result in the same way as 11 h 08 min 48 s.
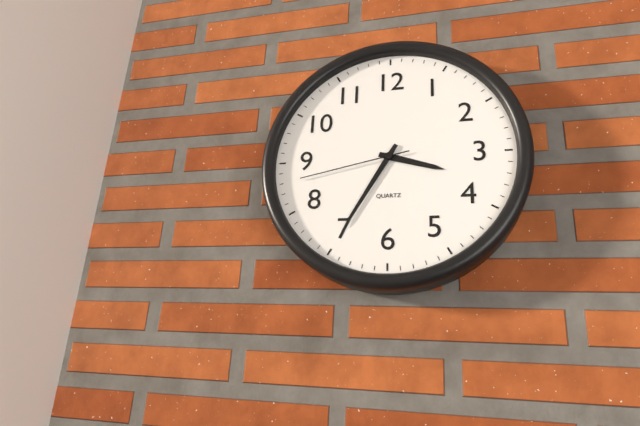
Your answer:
3 h 35 min 43 s
